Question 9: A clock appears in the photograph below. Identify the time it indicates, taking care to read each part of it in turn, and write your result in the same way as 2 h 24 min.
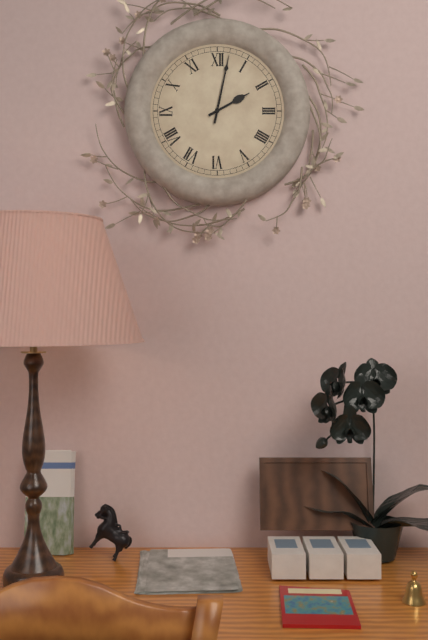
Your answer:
2 h 02 min
